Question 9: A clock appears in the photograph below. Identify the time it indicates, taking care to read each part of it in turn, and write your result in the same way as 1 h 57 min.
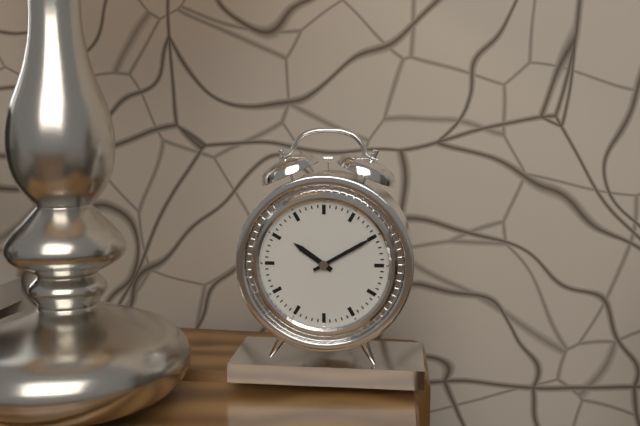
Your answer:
10 h 10 min
